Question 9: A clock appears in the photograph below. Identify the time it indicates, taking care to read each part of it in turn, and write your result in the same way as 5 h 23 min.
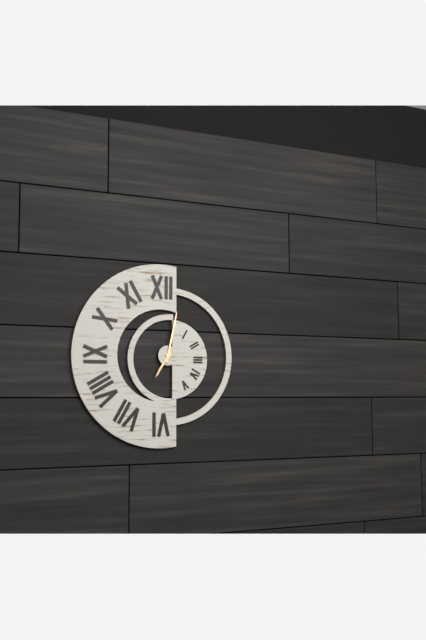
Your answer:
7 h 02 min
